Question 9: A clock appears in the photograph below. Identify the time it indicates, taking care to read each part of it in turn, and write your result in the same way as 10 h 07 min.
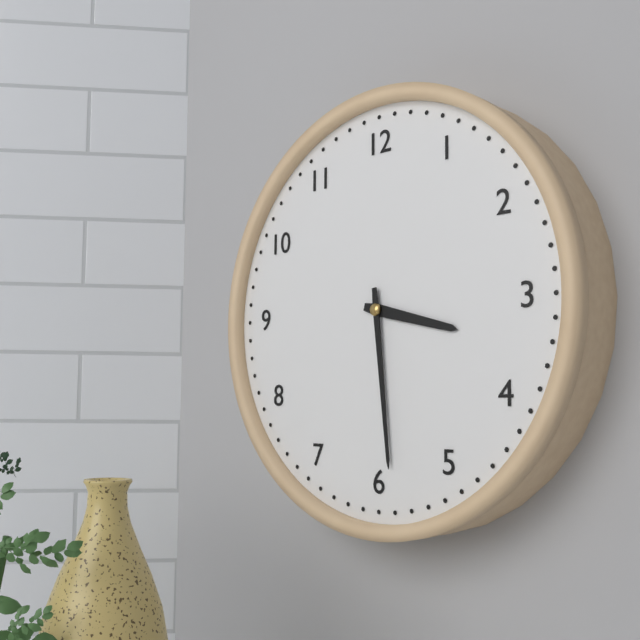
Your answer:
3 h 29 min
